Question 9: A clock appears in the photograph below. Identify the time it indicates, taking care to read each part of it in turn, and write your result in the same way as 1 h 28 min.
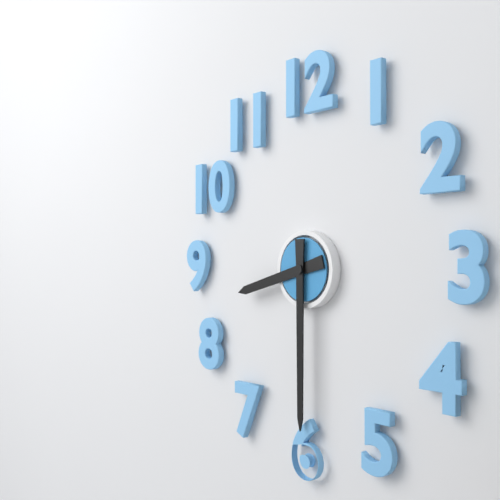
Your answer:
8 h 30 min
